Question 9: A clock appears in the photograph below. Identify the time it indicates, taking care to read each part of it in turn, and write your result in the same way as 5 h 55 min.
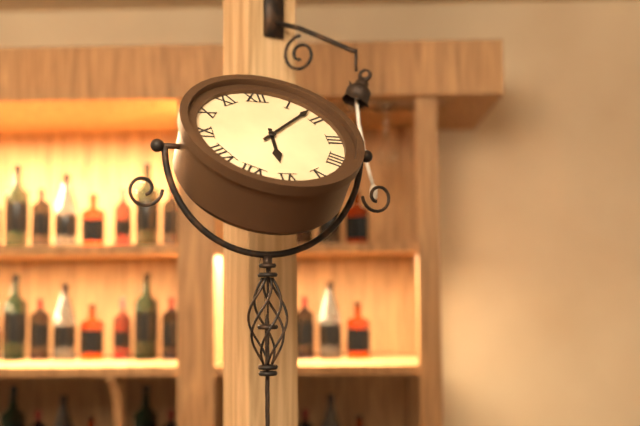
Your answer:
6 h 08 min
